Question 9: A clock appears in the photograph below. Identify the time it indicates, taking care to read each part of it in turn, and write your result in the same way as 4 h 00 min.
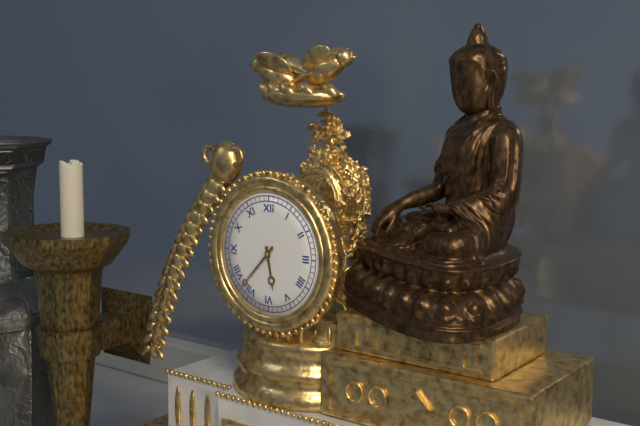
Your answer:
5 h 37 min
